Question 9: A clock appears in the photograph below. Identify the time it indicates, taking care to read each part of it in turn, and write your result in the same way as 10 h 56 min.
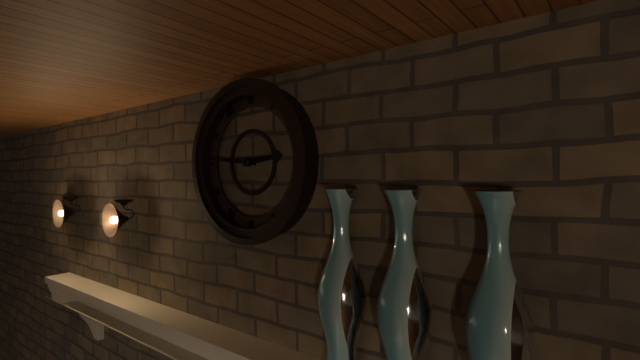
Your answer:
2 h 46 min
